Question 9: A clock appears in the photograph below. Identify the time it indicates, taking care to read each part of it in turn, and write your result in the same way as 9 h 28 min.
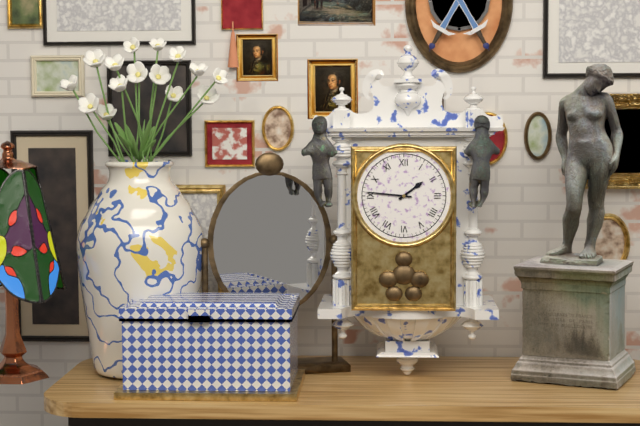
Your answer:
1 h 46 min
